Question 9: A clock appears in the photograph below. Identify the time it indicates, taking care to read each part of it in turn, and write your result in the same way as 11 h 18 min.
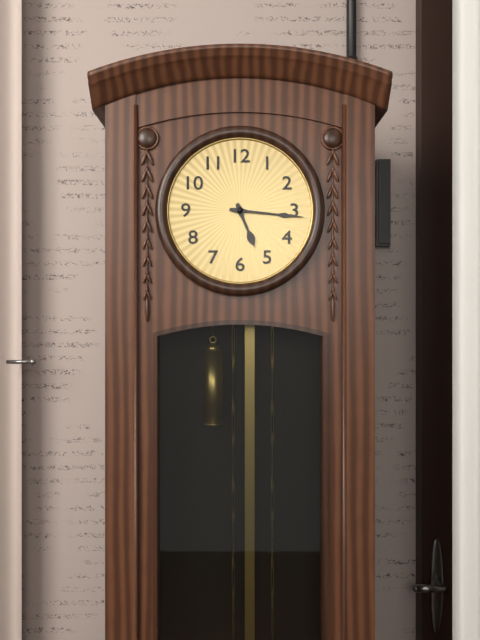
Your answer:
5 h 16 min
